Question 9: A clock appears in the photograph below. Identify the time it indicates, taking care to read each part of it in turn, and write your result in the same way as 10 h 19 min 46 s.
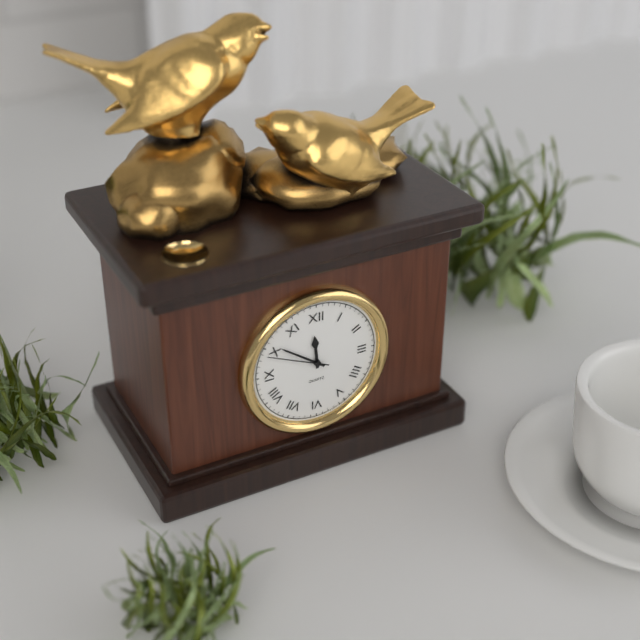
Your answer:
11 h 51 min 49 s
